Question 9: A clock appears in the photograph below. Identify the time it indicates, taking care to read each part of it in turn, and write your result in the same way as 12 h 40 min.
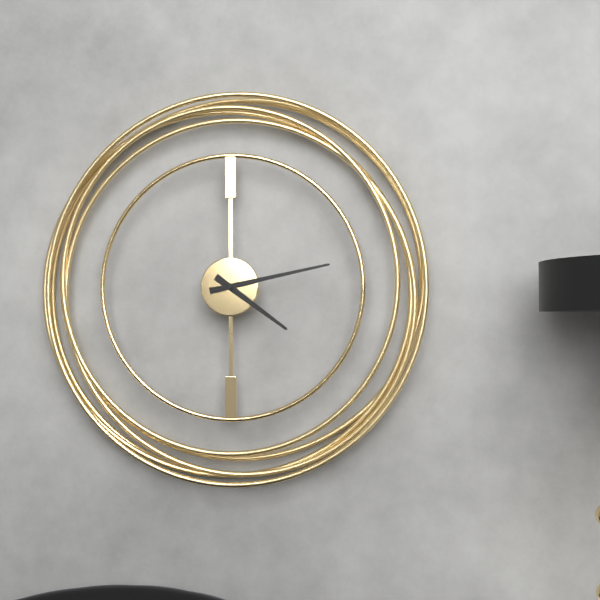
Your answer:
4 h 13 min
